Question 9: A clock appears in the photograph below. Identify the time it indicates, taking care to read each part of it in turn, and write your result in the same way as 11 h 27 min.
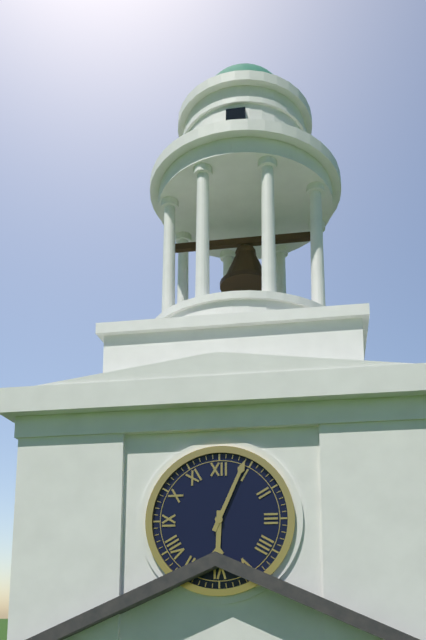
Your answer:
6 h 04 min
